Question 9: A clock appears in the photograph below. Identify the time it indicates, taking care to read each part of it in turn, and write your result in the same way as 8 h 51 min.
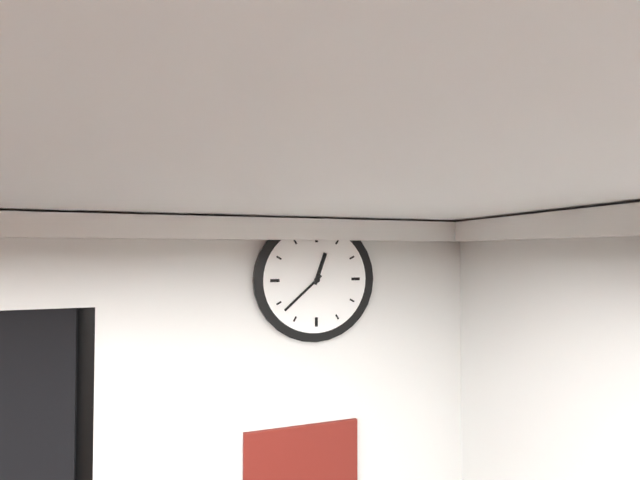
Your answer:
12 h 38 min
